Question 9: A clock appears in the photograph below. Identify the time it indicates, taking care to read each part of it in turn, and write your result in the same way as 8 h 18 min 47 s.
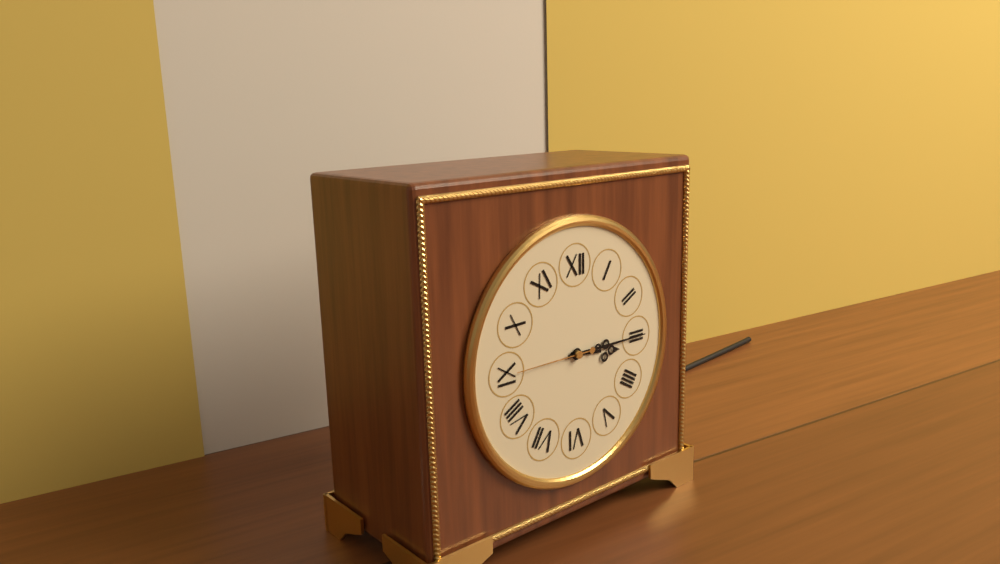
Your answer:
3 h 15 min 45 s
